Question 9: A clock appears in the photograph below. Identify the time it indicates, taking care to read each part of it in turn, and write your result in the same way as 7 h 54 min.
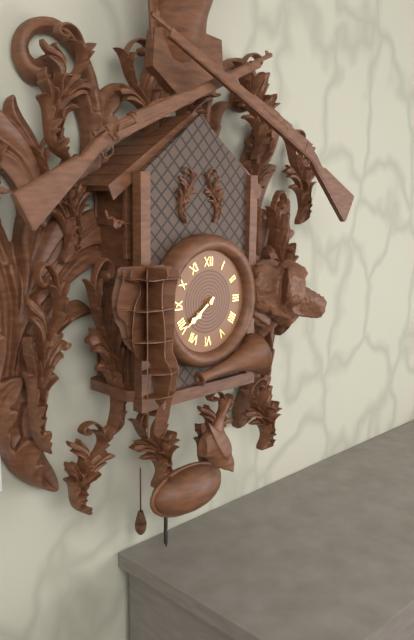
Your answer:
7 h 39 min
